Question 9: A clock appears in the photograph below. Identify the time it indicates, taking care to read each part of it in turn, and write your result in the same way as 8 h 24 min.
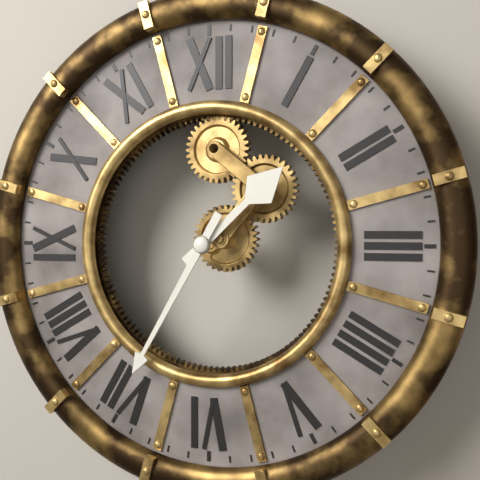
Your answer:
1 h 35 min
